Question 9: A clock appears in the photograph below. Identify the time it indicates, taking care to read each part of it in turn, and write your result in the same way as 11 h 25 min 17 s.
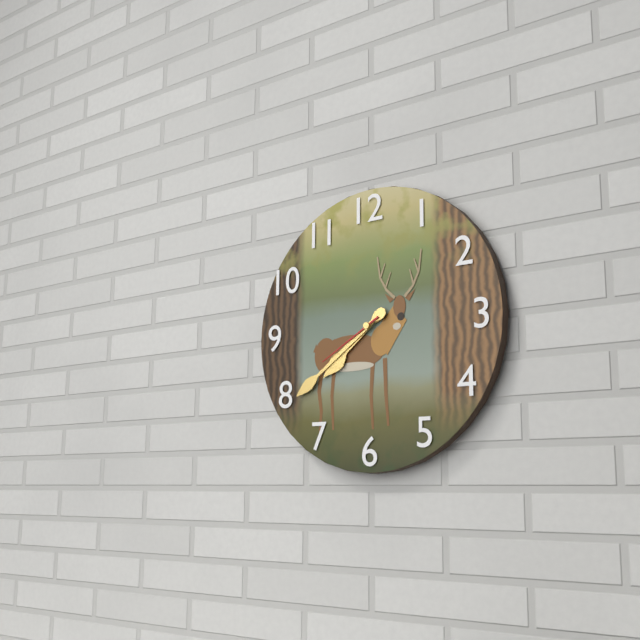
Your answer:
7 h 39 min 40 s
